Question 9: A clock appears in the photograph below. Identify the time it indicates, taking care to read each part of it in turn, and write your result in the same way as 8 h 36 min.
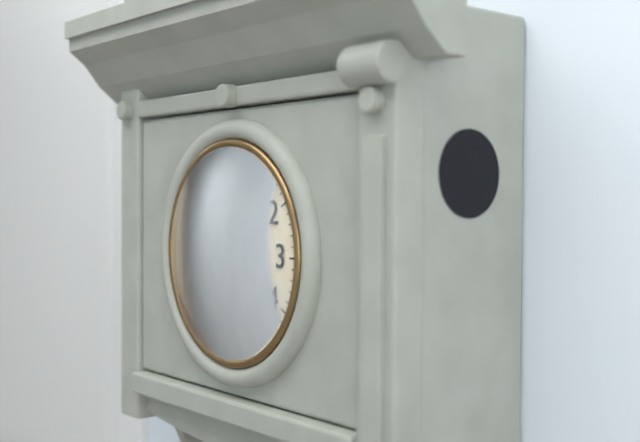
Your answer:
12 h 43 min
